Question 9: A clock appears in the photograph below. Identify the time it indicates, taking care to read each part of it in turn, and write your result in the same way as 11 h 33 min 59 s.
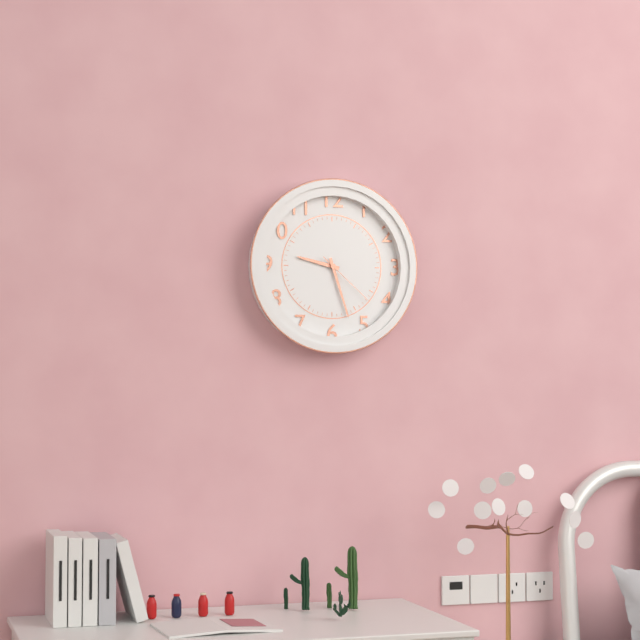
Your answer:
9 h 27 min 22 s
